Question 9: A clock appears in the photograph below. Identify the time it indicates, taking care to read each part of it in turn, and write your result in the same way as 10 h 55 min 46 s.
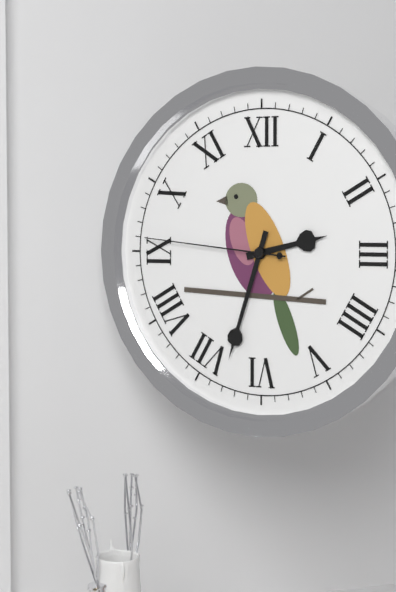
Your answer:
2 h 33 min 46 s
